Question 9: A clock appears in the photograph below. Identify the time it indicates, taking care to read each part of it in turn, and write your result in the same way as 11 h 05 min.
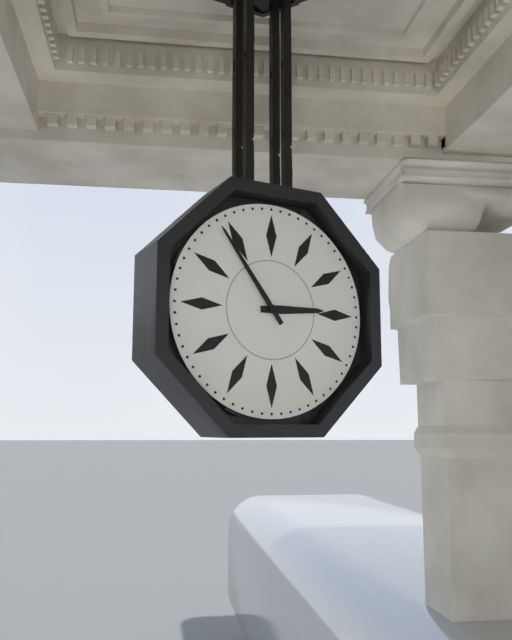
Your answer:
2 h 54 min
